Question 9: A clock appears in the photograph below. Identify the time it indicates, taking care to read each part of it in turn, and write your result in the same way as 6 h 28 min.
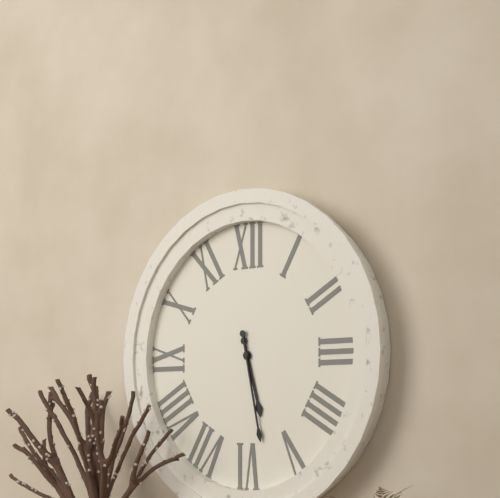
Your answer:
5 h 28 min
